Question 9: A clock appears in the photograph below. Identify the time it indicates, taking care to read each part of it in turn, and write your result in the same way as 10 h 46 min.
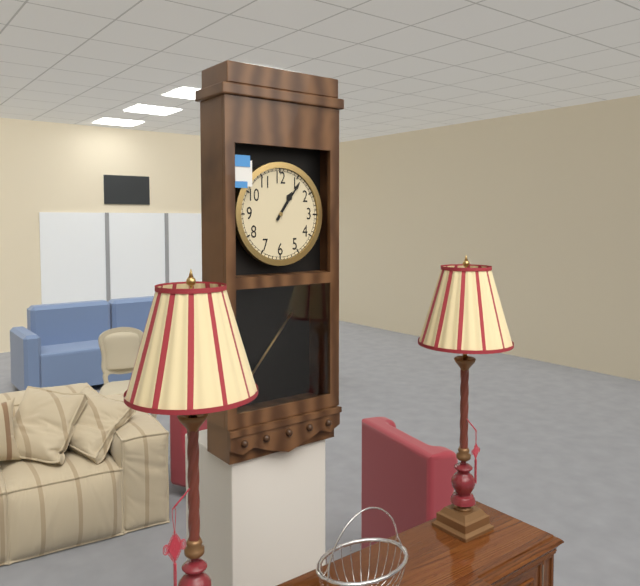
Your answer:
1 h 06 min
